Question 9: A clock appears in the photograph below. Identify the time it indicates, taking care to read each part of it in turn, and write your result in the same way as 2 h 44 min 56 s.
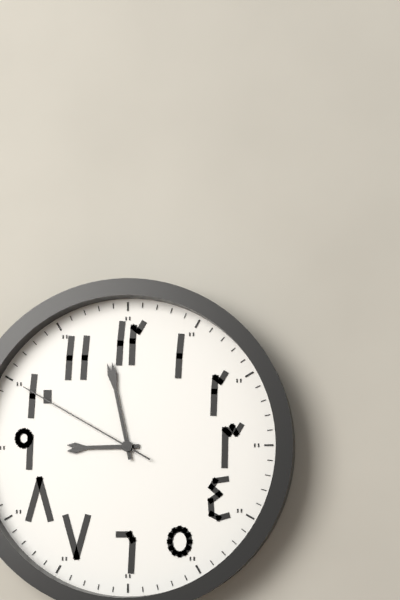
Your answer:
8 h 58 min 50 s
